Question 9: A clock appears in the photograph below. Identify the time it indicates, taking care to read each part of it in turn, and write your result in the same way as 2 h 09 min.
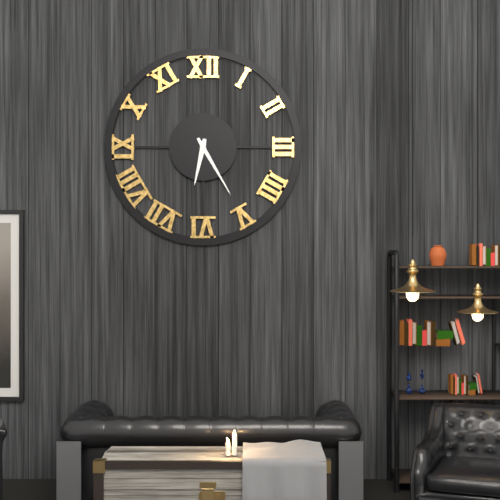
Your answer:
6 h 25 min
